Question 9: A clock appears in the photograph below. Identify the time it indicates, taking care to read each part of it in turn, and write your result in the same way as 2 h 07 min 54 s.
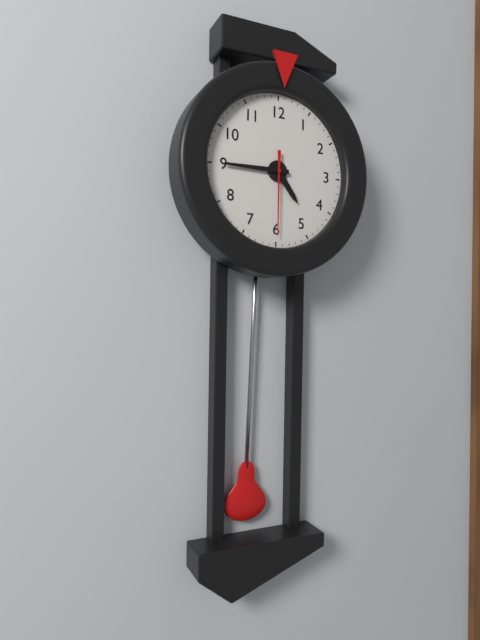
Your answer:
4 h 45 min 30 s
